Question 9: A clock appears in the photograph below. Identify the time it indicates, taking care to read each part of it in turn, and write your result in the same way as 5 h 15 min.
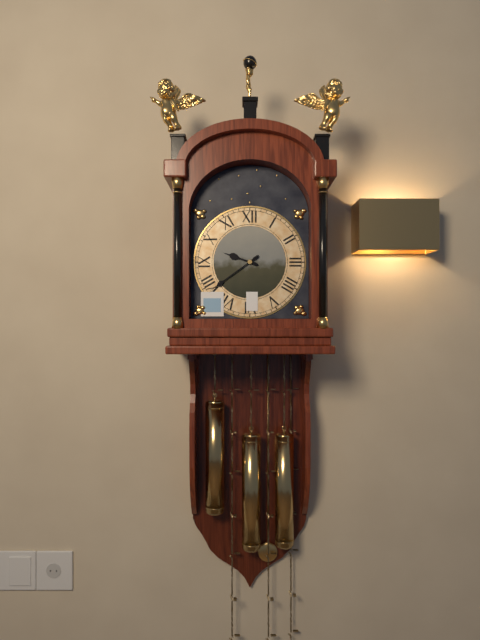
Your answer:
9 h 39 min
